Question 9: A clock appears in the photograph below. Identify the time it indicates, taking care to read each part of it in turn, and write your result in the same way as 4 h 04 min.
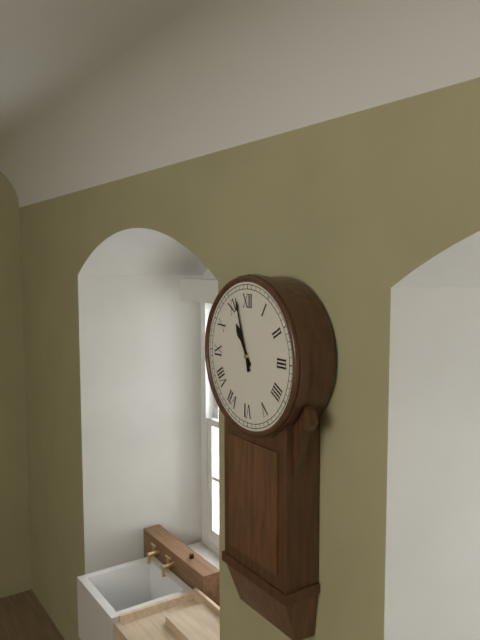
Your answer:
10 h 57 min
